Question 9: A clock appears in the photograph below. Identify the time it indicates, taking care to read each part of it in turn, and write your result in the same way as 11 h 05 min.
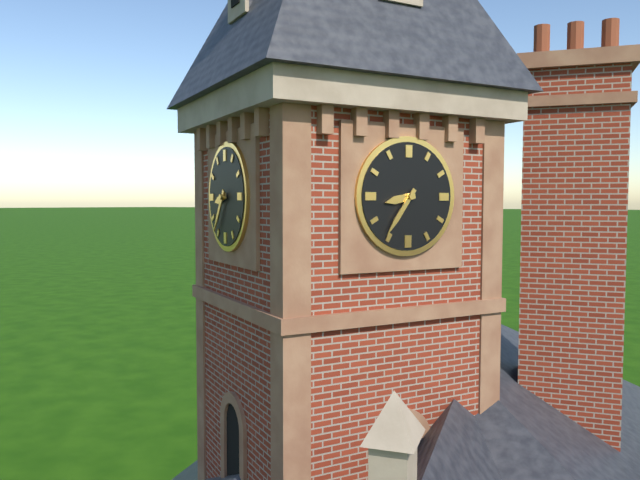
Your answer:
8 h 36 min
